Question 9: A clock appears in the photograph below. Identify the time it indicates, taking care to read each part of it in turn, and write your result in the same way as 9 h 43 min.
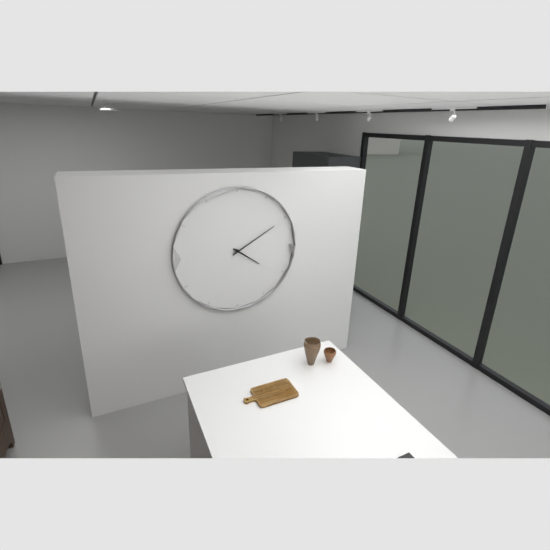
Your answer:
4 h 10 min
